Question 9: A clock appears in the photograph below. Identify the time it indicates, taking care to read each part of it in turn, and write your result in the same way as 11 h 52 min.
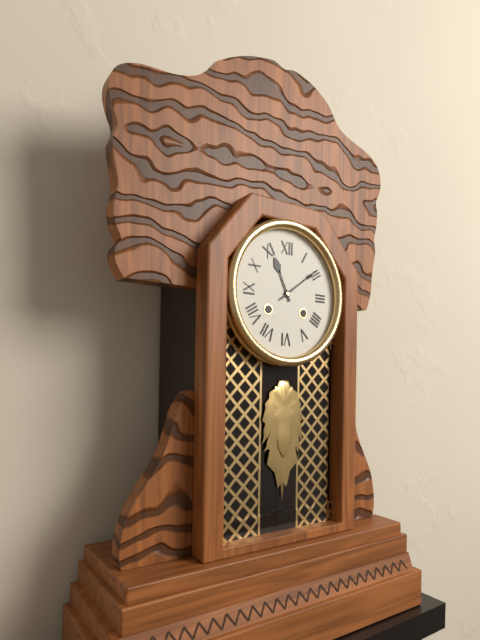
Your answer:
11 h 09 min
